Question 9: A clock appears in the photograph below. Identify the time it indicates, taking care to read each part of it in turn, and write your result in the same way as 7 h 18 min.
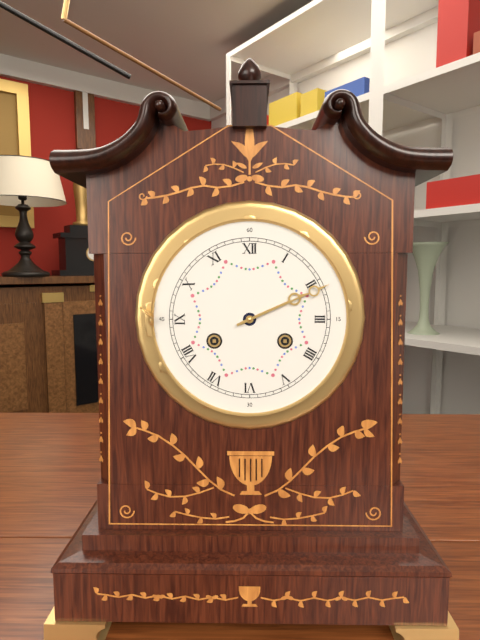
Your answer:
2 h 11 min
